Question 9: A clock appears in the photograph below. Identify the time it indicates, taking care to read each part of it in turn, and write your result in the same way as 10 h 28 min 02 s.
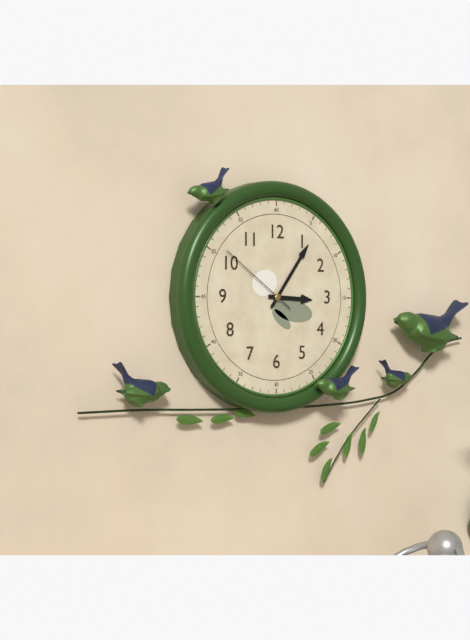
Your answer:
3 h 06 min 51 s
